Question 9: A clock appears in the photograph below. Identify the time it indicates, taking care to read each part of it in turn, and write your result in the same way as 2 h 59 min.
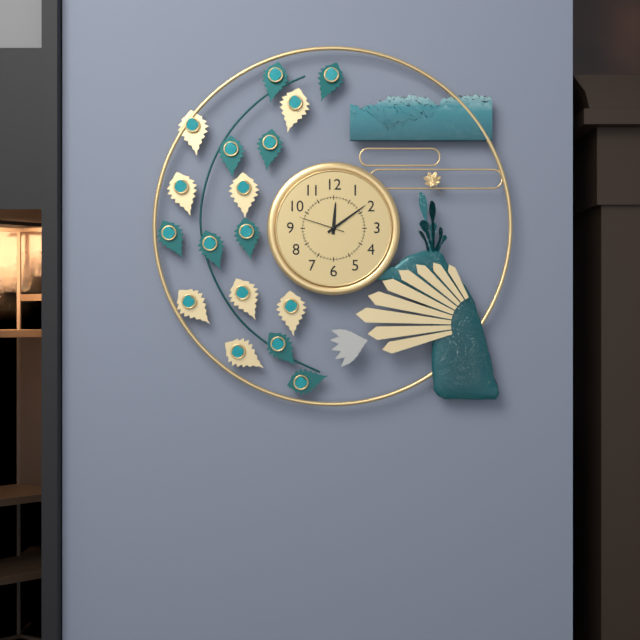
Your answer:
12 h 09 min
